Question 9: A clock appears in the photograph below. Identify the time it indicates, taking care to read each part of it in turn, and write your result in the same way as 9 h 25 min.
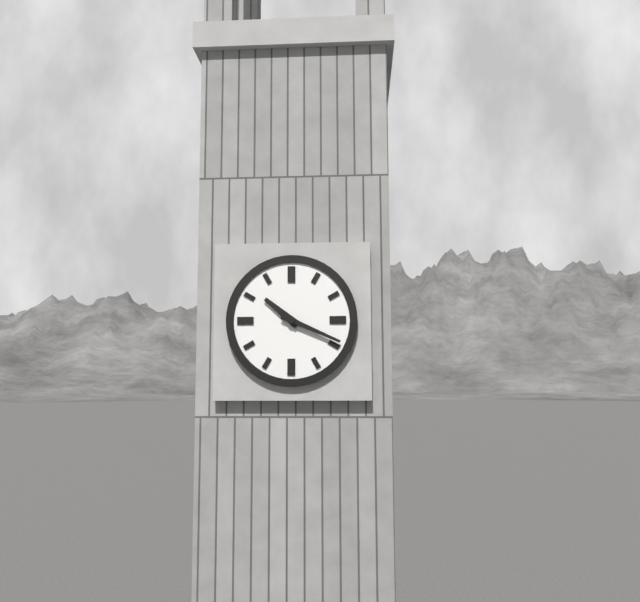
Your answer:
10 h 19 min
